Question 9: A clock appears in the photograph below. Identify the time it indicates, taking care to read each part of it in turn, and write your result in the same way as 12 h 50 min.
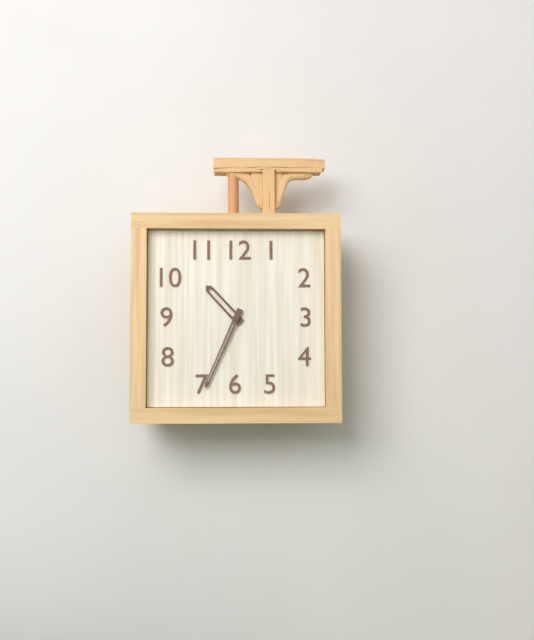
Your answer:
10 h 34 min
